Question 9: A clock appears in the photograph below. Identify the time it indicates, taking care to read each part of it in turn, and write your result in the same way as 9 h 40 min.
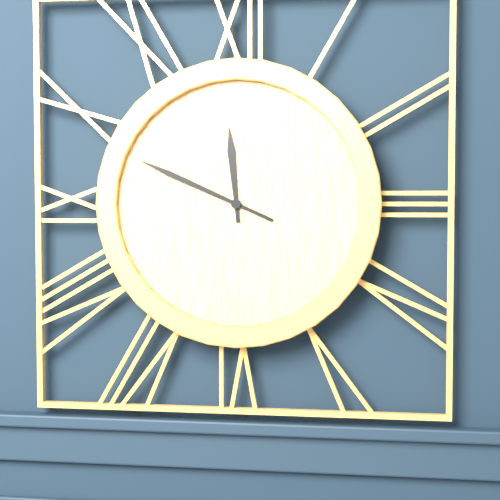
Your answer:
11 h 49 min
